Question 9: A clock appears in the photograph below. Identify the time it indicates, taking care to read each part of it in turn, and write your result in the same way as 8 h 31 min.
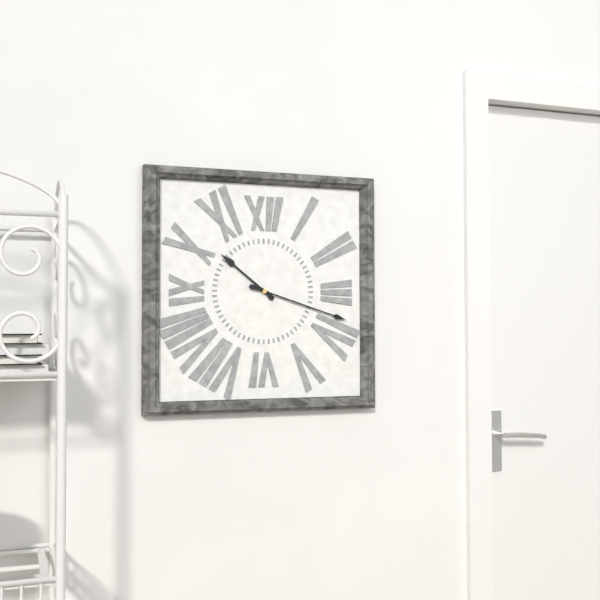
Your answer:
10 h 18 min
